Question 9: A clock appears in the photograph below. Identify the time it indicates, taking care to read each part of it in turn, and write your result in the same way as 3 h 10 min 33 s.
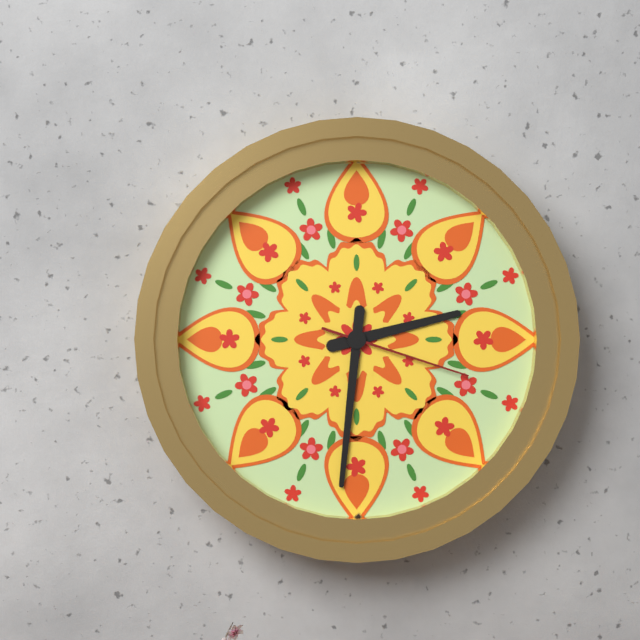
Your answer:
2 h 31 min 18 s
